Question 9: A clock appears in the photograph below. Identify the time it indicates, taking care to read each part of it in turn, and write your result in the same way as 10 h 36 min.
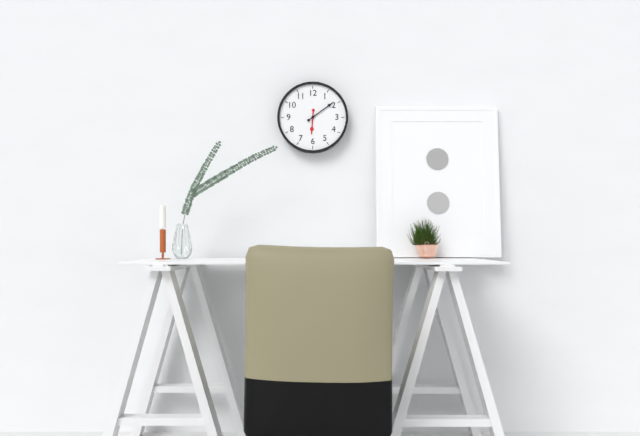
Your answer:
6 h 09 min
